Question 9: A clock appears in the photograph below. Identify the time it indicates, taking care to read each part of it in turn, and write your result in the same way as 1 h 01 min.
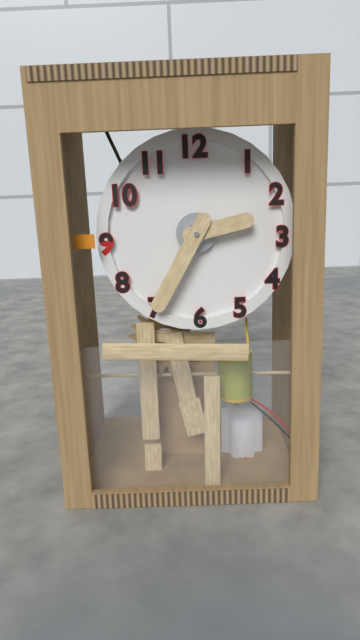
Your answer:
2 h 35 min
